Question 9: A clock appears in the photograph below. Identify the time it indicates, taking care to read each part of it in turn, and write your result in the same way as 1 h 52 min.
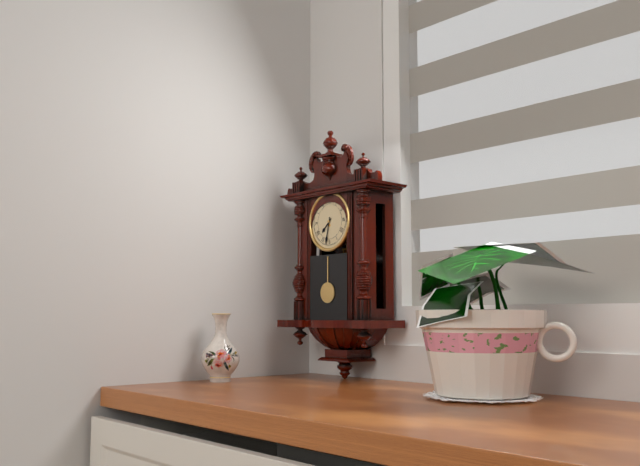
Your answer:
7 h 32 min
